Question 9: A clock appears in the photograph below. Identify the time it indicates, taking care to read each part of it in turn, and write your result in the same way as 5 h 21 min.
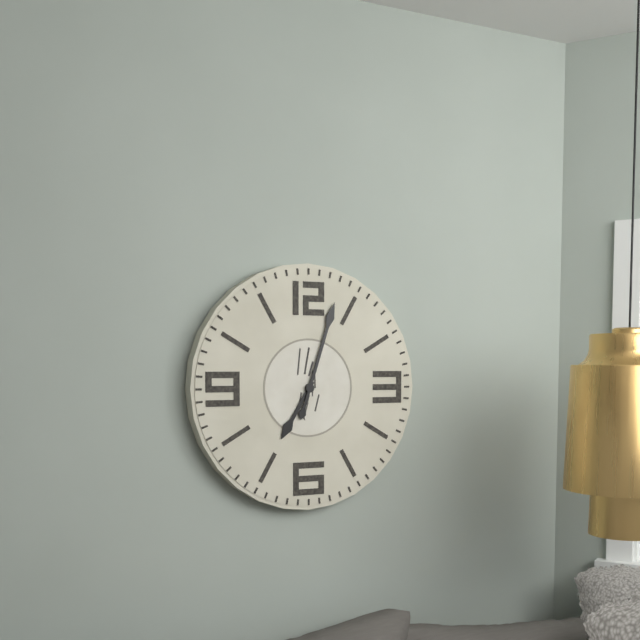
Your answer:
7 h 03 min
